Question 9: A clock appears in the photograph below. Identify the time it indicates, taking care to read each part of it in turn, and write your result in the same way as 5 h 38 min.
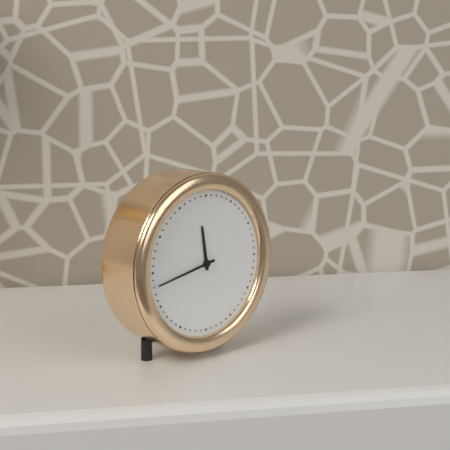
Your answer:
11 h 43 min
